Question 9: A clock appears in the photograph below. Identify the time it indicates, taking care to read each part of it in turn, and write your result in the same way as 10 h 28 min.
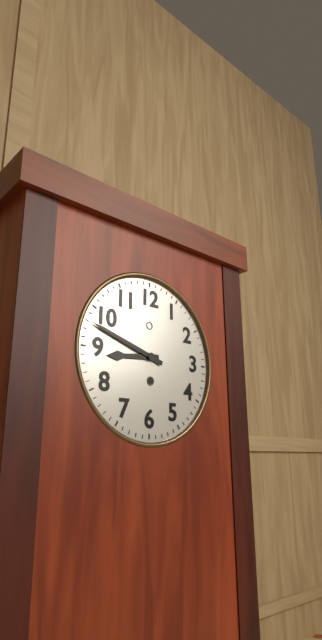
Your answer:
8 h 48 min
